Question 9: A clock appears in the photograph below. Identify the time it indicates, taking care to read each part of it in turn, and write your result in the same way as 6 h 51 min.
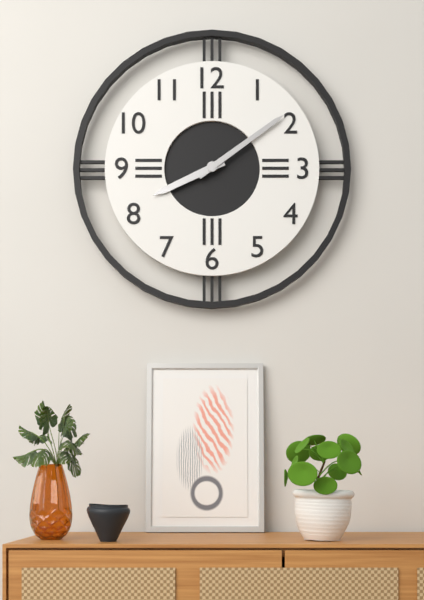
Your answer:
8 h 09 min
